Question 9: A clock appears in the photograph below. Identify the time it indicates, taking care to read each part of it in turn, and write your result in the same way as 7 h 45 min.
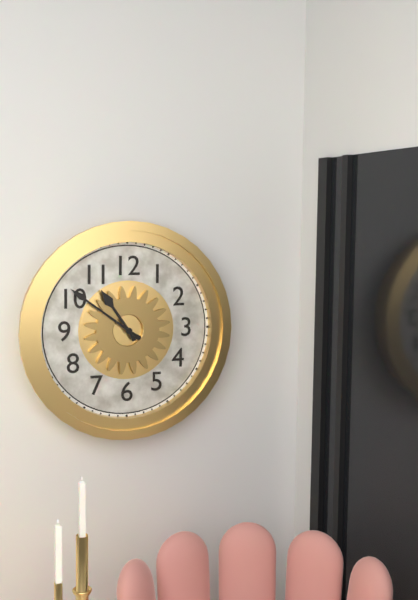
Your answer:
10 h 51 min
